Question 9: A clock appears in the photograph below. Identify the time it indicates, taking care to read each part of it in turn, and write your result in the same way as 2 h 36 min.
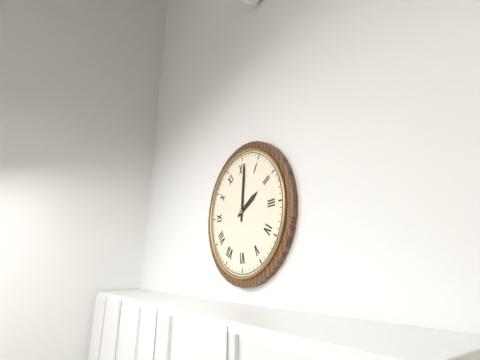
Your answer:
2 h 01 min
